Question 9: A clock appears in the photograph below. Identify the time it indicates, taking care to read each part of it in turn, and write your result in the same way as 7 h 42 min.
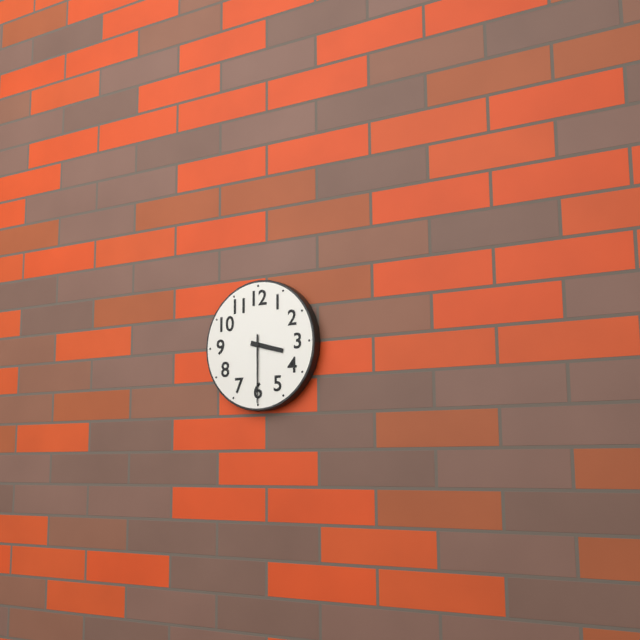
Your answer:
3 h 30 min
